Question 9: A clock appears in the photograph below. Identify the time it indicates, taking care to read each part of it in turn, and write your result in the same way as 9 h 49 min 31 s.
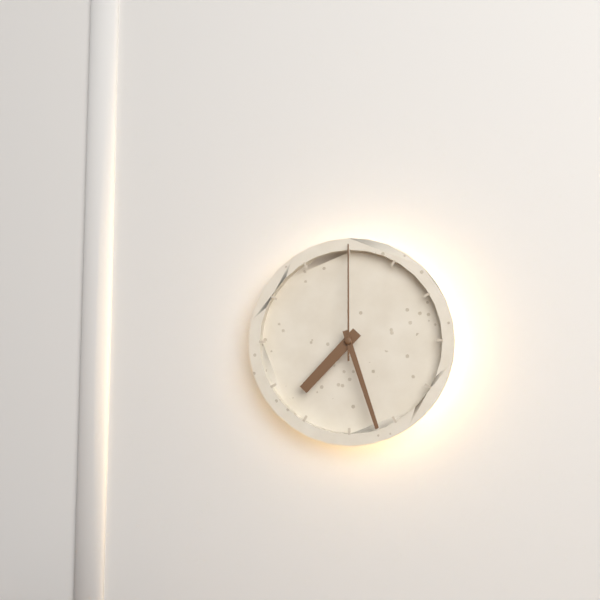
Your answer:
7 h 27 min 00 s
